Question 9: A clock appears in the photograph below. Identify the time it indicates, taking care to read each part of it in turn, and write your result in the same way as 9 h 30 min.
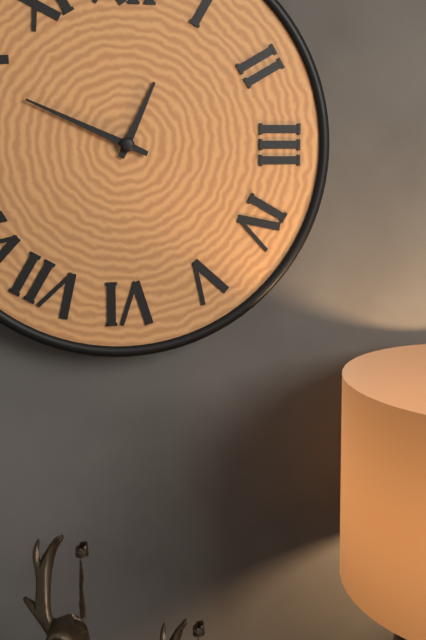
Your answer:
12 h 49 min
